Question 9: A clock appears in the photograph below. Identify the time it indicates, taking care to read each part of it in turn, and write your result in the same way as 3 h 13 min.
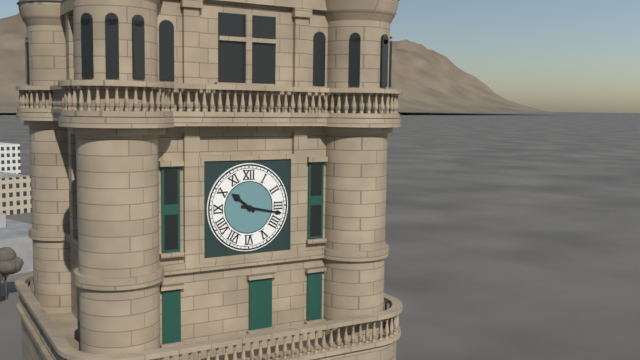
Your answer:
10 h 17 min
